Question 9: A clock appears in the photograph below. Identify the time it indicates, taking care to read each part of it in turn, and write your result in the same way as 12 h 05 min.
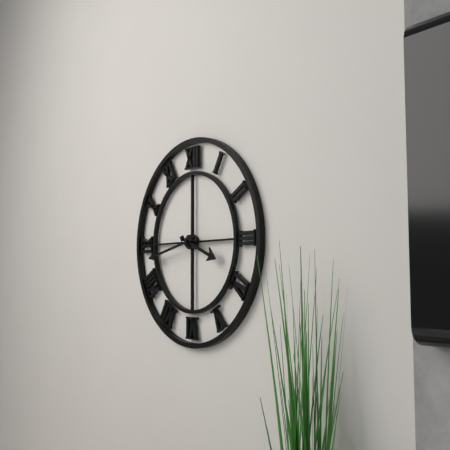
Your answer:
3 h 43 min
